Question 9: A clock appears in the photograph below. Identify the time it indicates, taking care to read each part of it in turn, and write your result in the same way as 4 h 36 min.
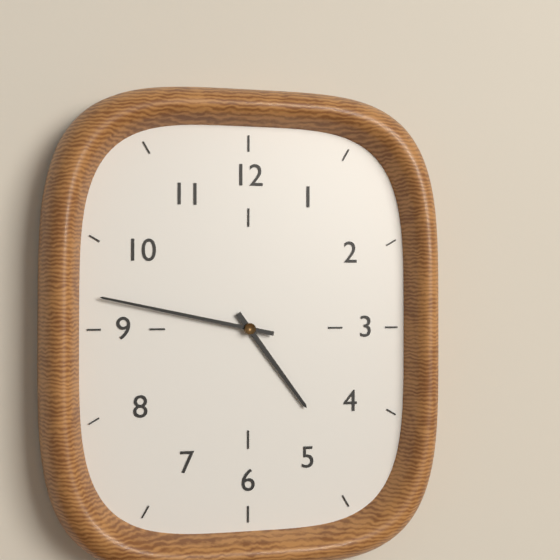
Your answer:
4 h 47 min
